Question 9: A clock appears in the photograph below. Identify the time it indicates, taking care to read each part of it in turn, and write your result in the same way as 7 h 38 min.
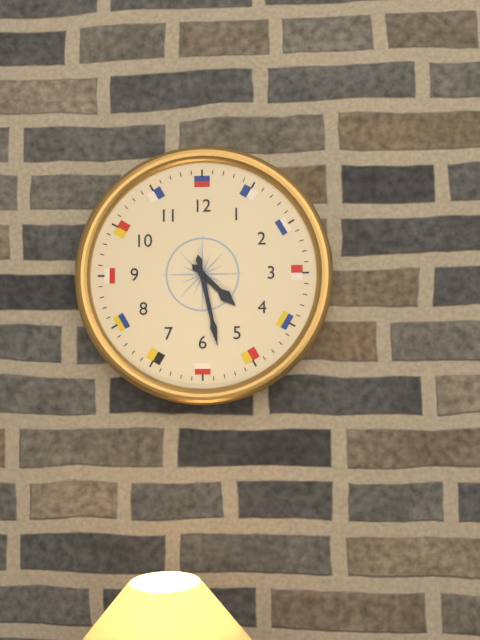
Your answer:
4 h 28 min
